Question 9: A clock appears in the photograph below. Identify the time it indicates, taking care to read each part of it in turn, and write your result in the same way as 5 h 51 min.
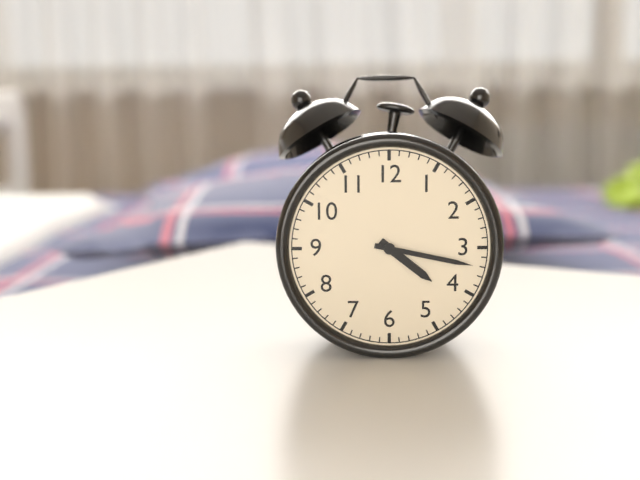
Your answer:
4 h 17 min
